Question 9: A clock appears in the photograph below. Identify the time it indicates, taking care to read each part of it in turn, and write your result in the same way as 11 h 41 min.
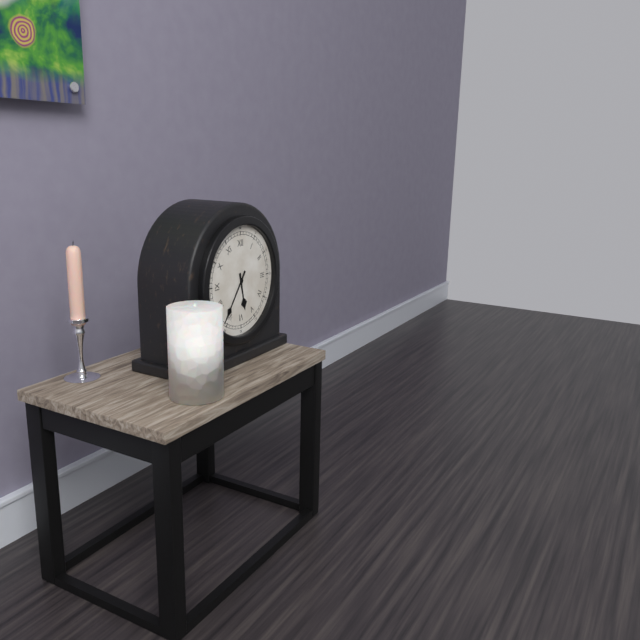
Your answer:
5 h 36 min
